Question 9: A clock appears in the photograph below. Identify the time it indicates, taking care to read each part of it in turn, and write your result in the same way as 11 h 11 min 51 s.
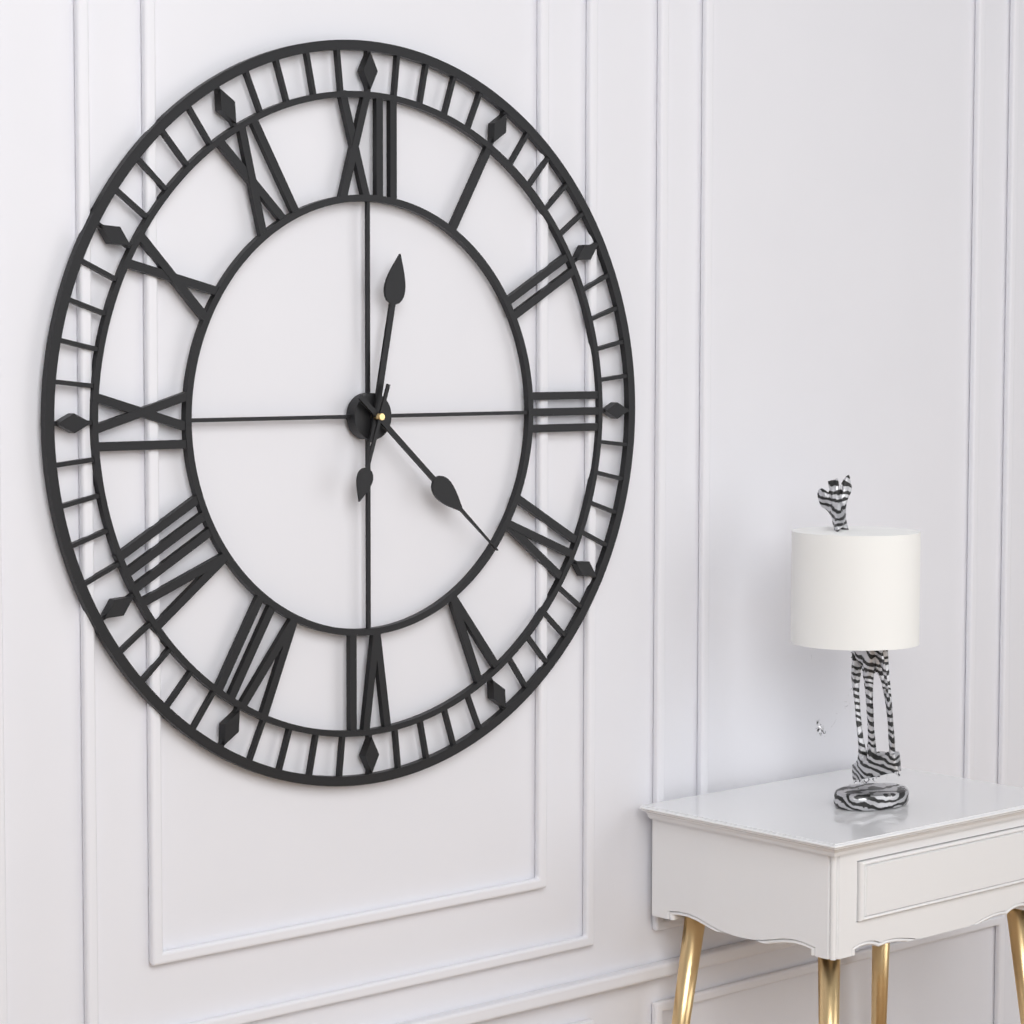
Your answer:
12 h 22 min 33 s
